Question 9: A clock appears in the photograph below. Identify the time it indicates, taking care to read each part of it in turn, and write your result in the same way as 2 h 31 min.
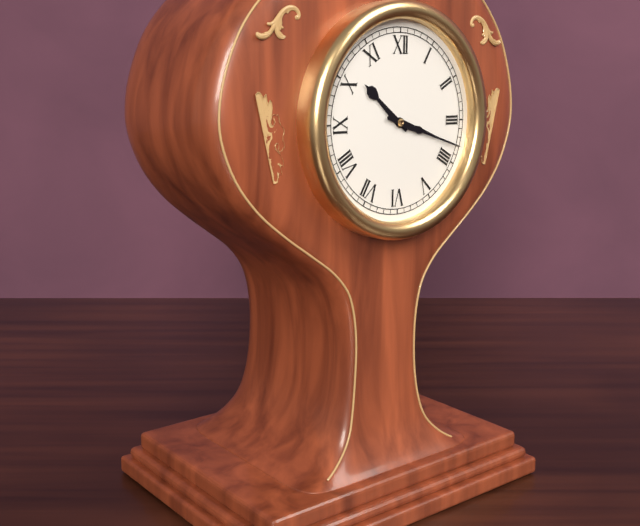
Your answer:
10 h 18 min
